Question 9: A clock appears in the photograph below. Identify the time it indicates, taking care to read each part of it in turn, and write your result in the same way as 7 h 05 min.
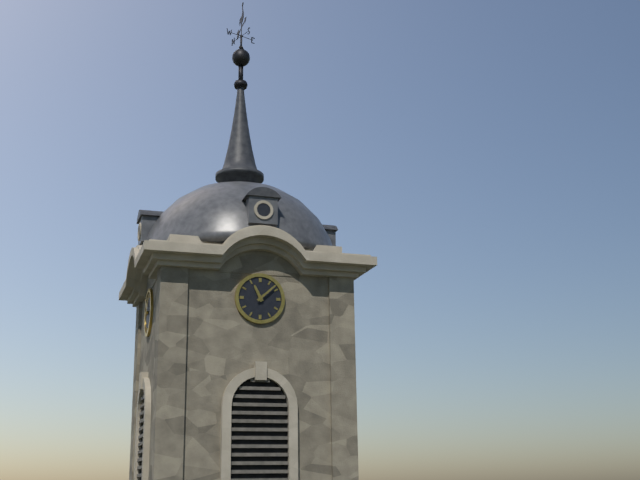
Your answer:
11 h 08 min
